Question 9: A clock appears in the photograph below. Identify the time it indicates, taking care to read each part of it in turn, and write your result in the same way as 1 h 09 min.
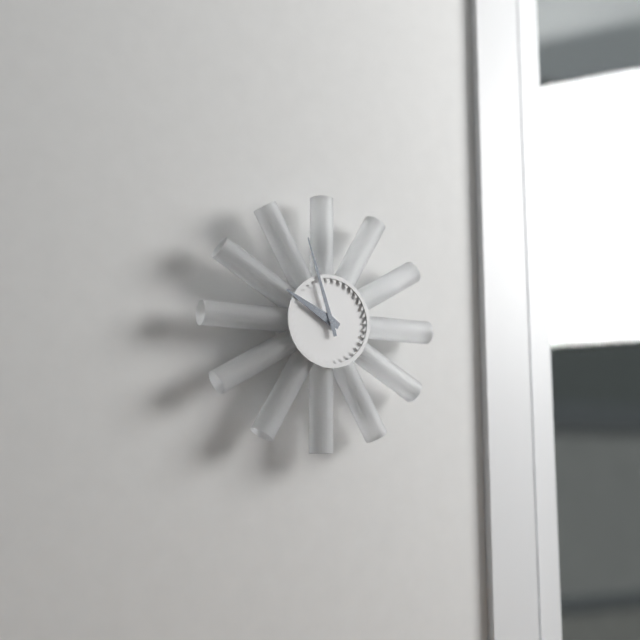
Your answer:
9 h 57 min
